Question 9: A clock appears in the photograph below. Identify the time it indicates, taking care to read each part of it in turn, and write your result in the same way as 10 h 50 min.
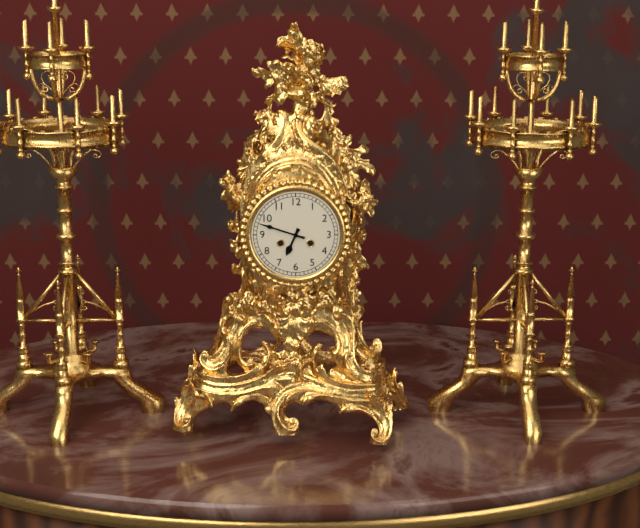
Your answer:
6 h 48 min
